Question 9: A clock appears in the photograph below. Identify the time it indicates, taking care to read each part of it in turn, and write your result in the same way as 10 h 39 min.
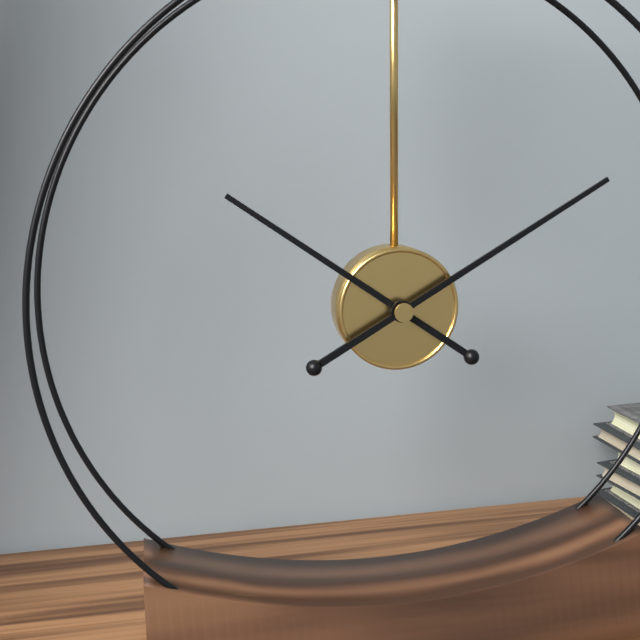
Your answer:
10 h 10 min
